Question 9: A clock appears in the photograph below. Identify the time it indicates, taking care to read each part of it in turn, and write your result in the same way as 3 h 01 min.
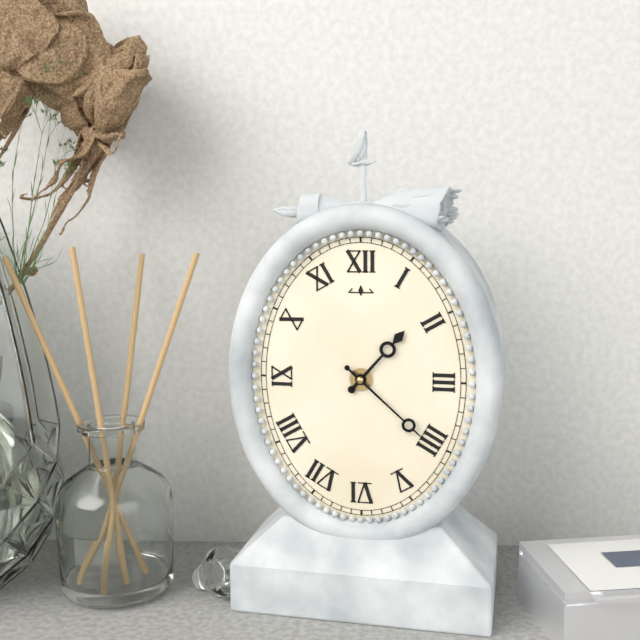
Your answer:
1 h 22 min
